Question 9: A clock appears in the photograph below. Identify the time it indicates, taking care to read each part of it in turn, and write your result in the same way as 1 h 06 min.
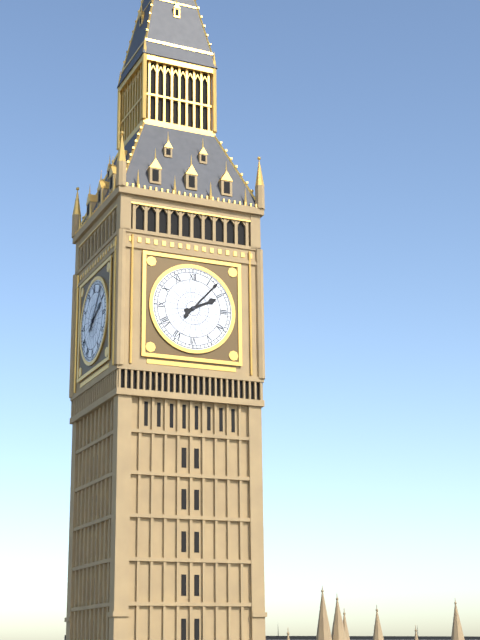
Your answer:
2 h 07 min
